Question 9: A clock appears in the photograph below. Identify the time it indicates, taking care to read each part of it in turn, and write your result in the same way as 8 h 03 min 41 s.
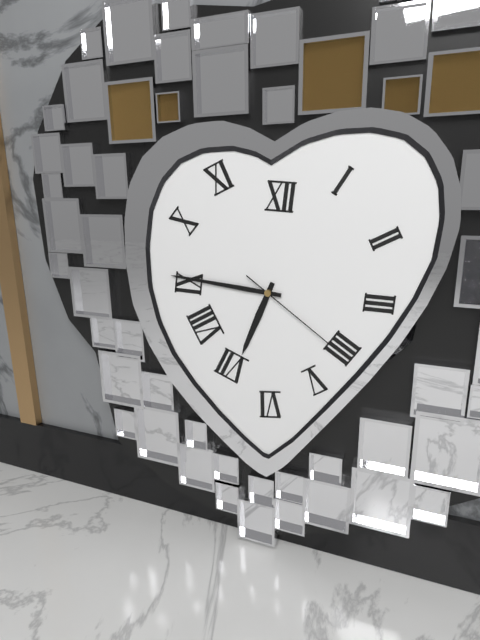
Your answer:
6 h 46 min 21 s
